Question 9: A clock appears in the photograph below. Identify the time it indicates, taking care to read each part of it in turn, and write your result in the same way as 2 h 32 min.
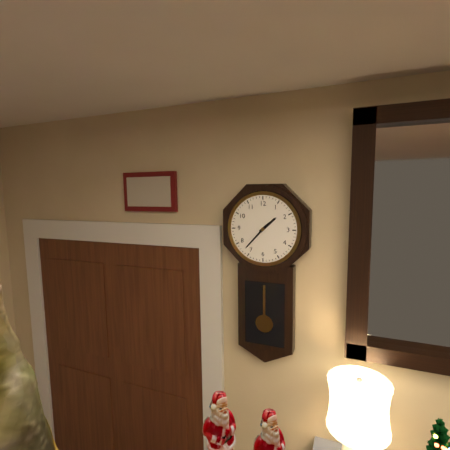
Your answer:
1 h 37 min
